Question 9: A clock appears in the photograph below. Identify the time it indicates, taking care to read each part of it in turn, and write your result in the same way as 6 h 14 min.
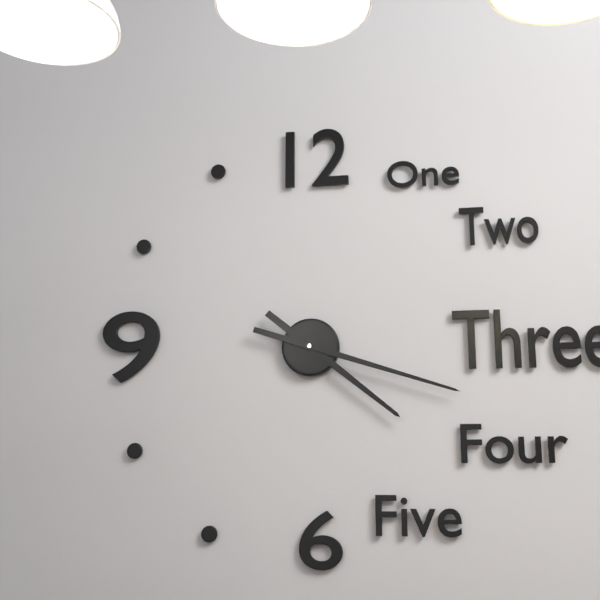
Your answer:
4 h 18 min
